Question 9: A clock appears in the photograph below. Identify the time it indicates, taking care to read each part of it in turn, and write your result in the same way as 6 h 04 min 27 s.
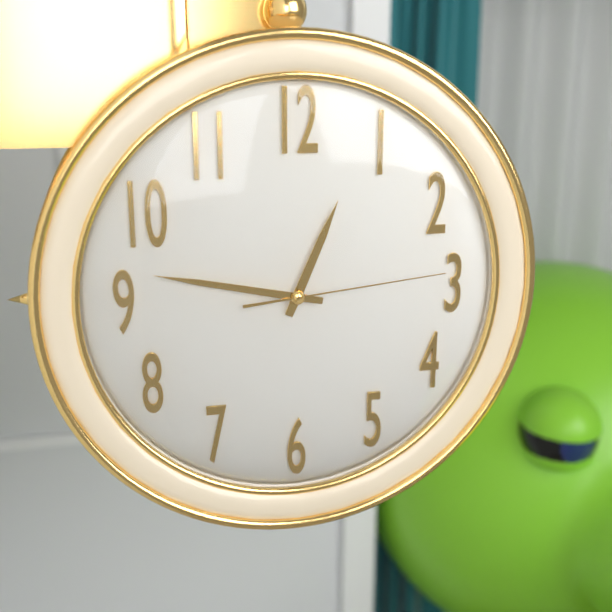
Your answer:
12 h 47 min 14 s
